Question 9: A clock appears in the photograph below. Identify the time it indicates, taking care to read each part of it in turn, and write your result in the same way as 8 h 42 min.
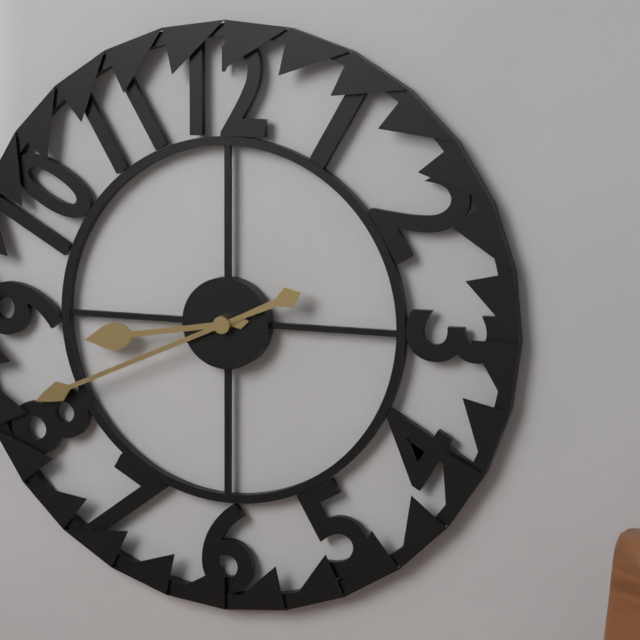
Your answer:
8 h 41 min
